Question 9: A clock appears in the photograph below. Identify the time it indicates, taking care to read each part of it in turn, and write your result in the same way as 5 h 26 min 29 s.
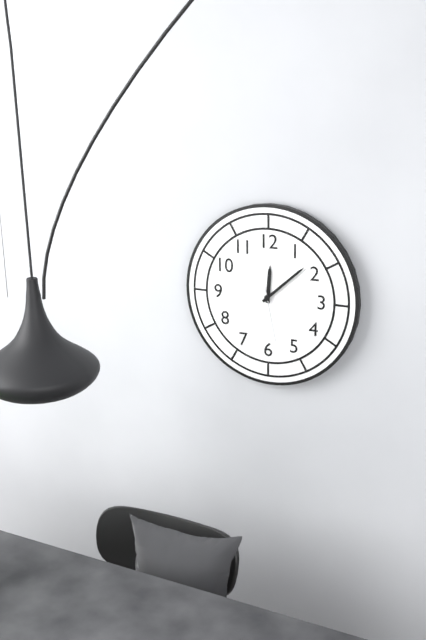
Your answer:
12 h 08 min 28 s
